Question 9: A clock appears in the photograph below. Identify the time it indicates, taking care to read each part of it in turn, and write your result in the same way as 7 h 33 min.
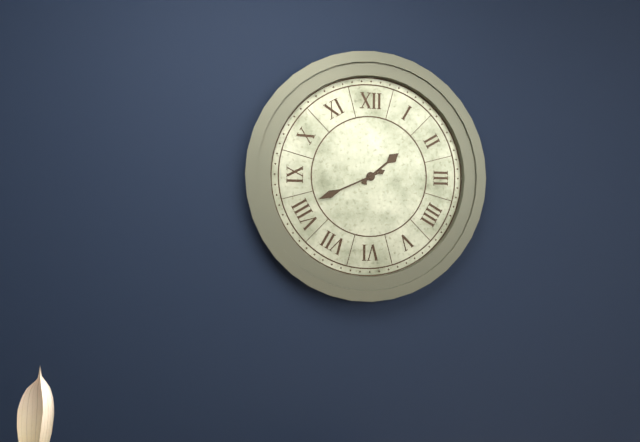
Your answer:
1 h 41 min
